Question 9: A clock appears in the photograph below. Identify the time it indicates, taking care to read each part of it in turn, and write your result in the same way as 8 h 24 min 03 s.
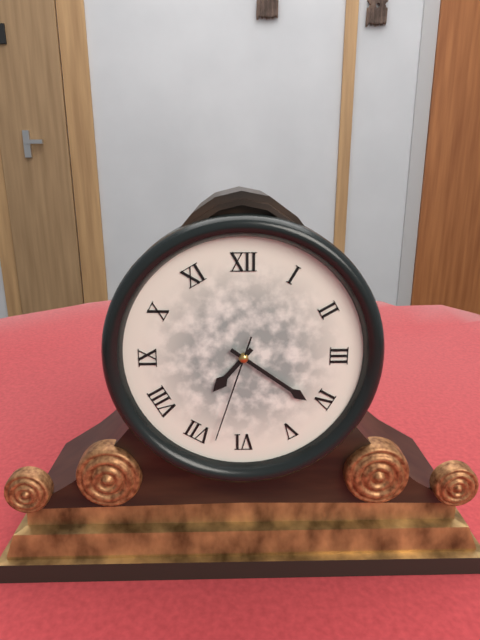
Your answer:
7 h 21 min 33 s
